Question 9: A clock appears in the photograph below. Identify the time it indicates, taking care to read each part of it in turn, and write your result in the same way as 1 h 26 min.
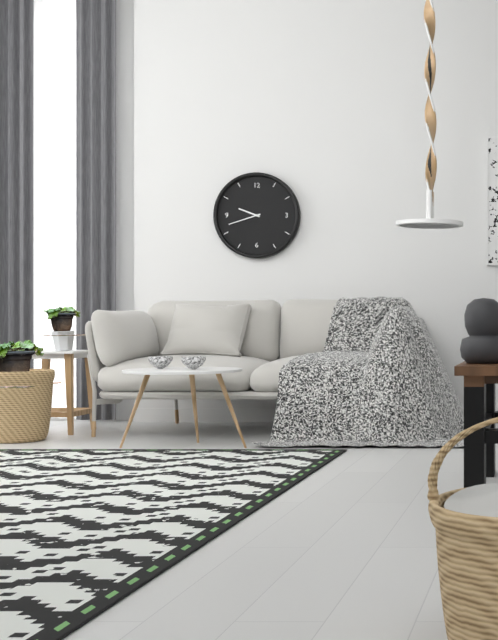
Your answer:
9 h 42 min
